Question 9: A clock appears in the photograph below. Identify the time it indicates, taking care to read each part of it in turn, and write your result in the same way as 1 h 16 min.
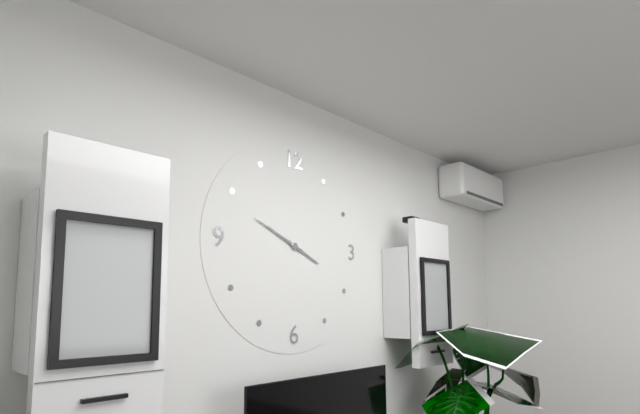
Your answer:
3 h 49 min
